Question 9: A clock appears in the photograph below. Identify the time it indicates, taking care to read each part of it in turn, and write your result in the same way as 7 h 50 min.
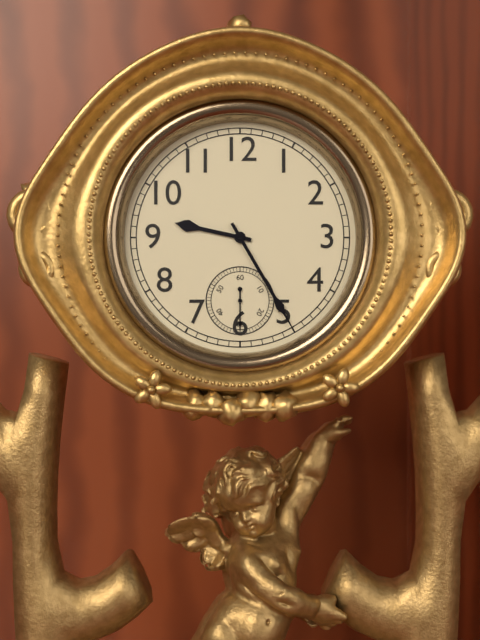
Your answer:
9 h 25 min
